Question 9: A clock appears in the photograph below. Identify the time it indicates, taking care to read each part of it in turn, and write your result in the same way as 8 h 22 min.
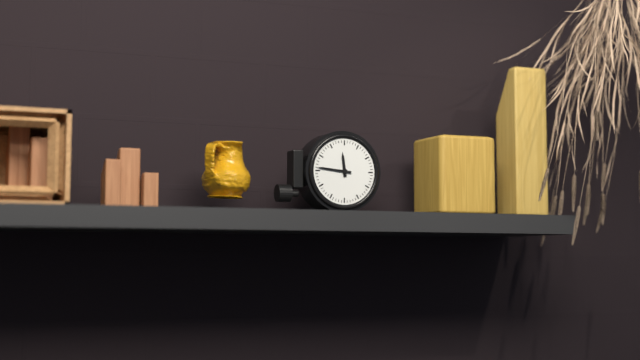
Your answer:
11 h 46 min
